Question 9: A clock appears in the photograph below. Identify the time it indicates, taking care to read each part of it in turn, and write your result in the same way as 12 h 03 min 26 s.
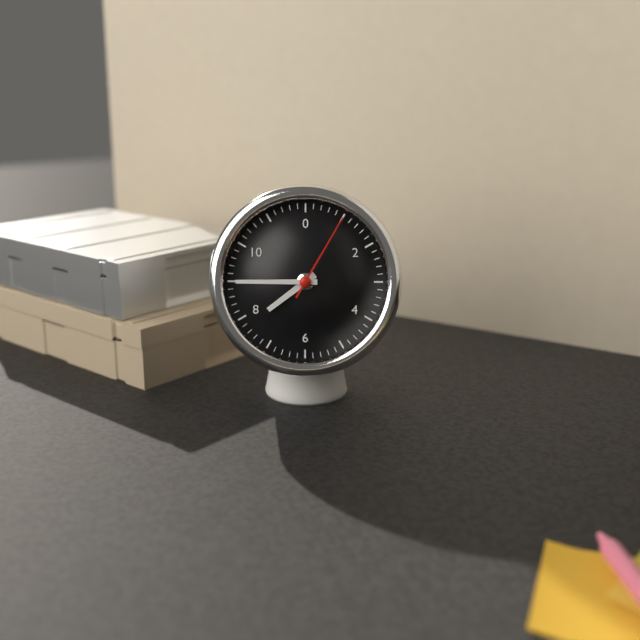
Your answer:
7 h 45 min 05 s
